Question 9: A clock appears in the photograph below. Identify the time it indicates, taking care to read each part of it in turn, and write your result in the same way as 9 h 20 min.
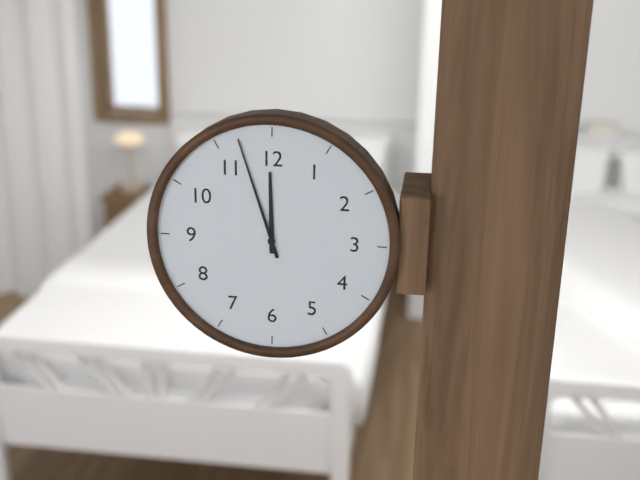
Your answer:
11 h 57 min
